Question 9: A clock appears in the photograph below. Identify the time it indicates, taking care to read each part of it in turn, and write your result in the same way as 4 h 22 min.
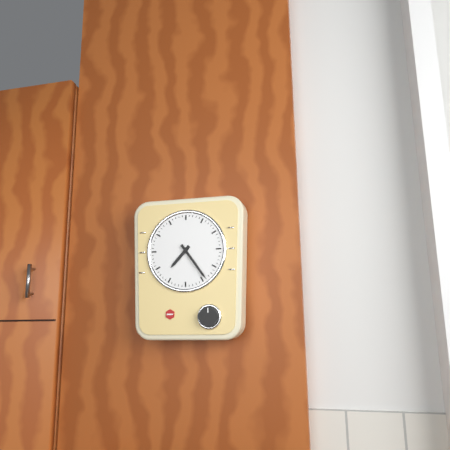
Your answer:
7 h 24 min
